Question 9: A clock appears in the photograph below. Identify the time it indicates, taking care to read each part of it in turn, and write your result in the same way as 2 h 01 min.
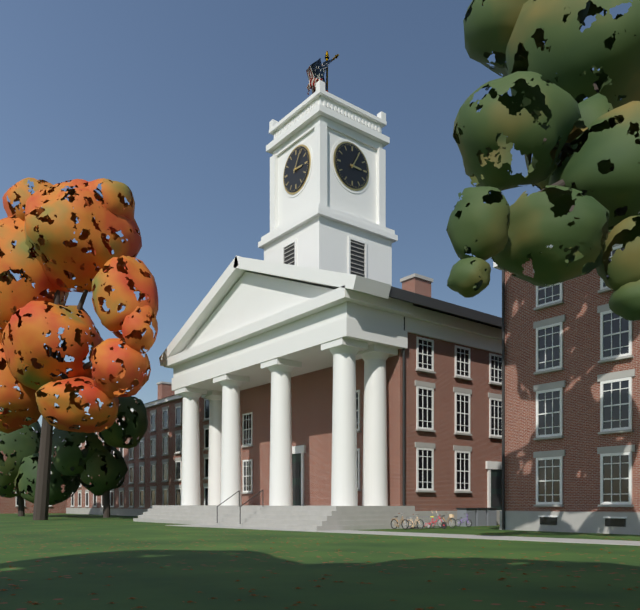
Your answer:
3 h 05 min
